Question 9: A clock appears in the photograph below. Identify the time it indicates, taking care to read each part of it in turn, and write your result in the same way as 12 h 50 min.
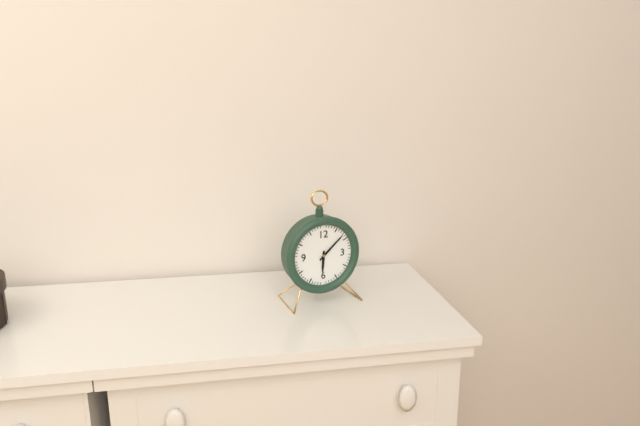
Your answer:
6 h 08 min
